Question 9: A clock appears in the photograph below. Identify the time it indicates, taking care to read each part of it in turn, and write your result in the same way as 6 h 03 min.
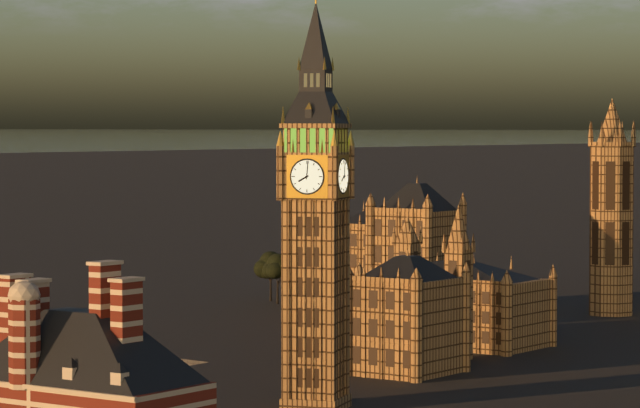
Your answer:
8 h 01 min
